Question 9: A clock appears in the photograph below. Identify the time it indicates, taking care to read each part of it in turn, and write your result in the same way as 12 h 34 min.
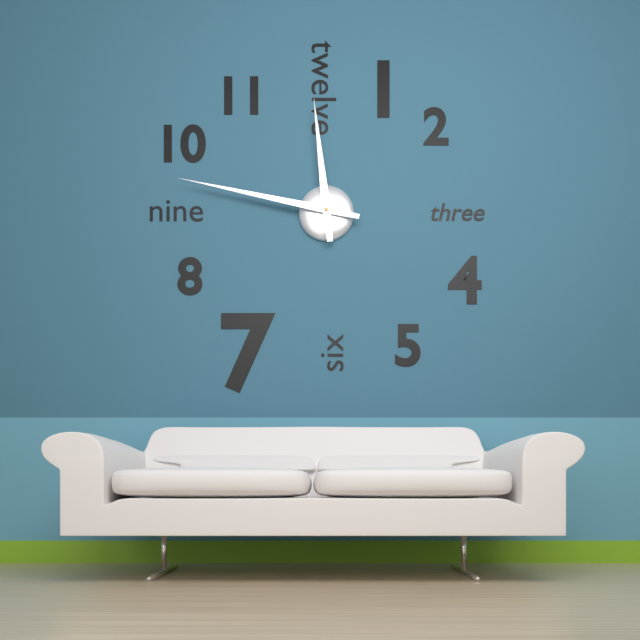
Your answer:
11 h 47 min
